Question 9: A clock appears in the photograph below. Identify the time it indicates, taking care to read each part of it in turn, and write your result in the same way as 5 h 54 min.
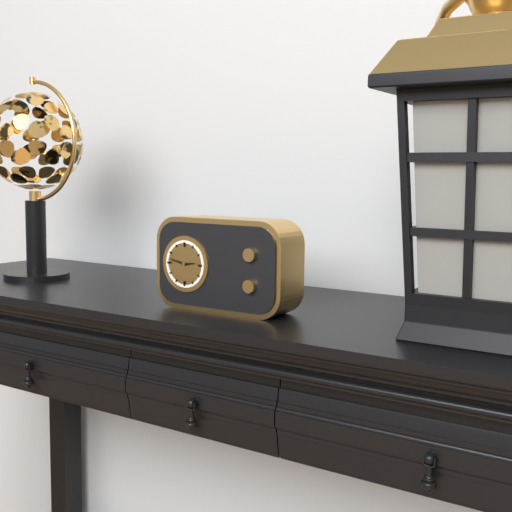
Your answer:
2 h 47 min
